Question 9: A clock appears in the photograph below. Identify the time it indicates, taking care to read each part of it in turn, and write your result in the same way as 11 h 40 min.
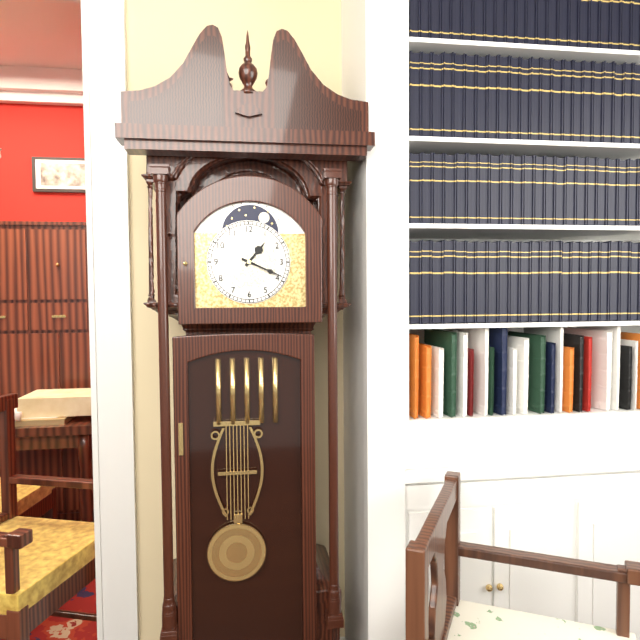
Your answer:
1 h 19 min
